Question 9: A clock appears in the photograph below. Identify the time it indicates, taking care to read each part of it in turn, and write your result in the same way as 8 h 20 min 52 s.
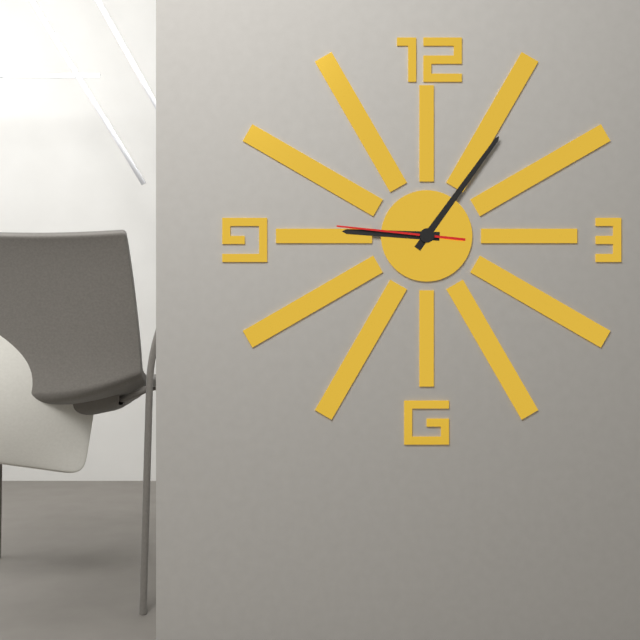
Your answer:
9 h 06 min 46 s
